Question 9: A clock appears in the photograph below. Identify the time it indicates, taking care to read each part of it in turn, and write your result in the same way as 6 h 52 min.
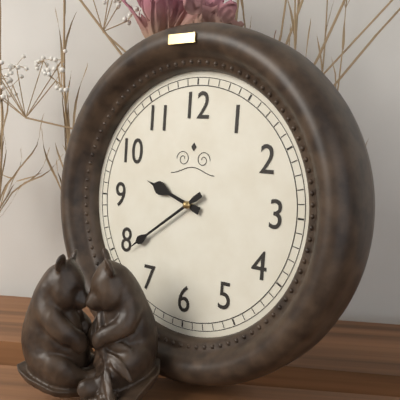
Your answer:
9 h 39 min
